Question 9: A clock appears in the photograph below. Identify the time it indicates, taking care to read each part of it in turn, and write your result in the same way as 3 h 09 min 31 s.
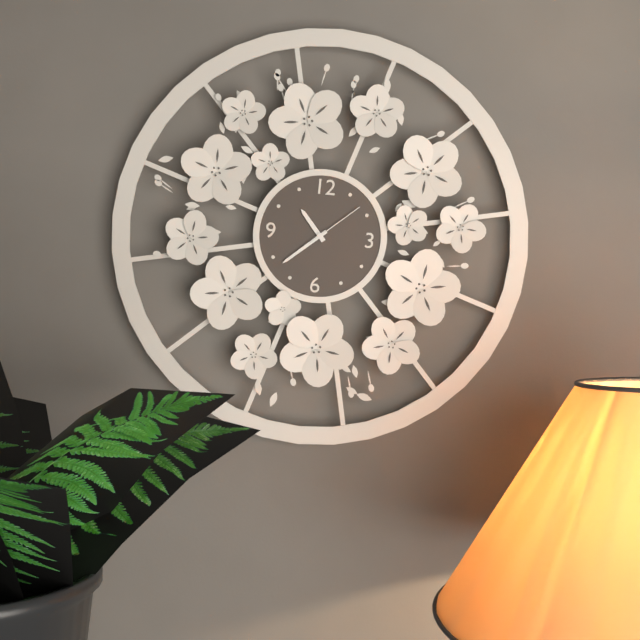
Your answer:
10 h 38 min 08 s
